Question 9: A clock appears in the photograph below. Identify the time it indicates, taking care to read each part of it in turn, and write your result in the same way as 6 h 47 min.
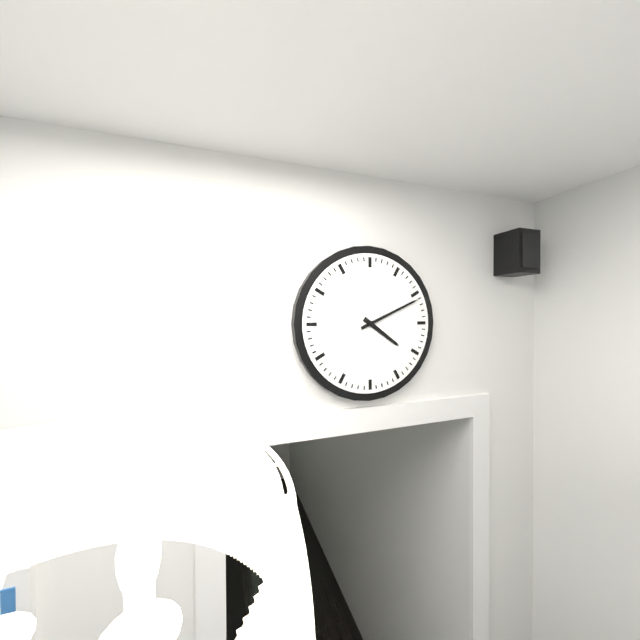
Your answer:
4 h 11 min
